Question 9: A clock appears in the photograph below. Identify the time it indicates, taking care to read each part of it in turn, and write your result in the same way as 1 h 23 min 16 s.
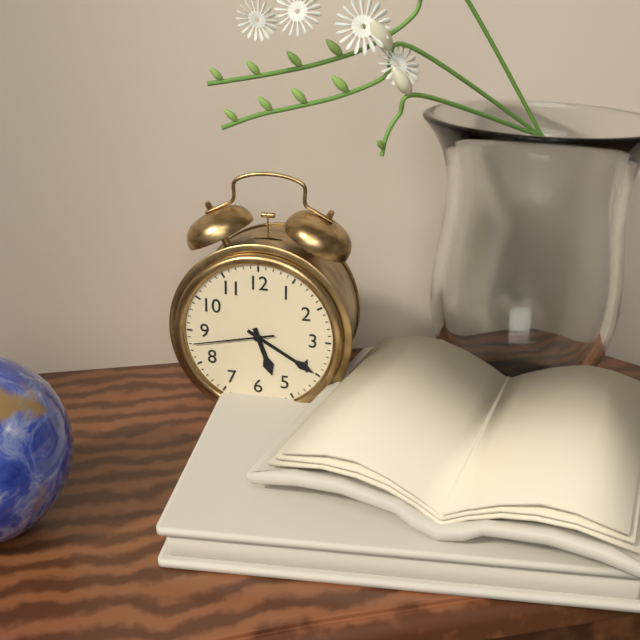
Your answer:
5 h 20 min 43 s
